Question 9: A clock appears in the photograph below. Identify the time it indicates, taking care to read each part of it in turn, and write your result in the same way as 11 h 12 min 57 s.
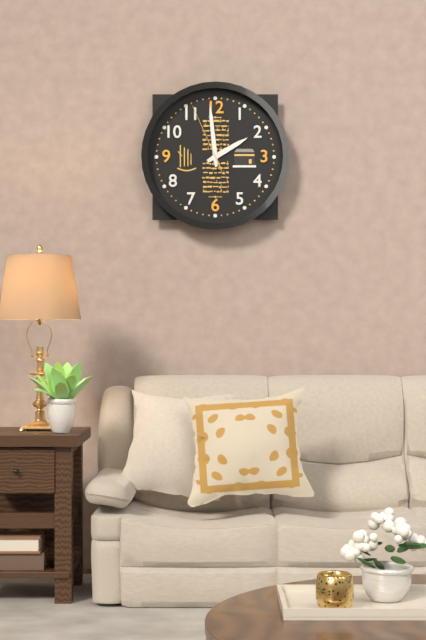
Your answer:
1 h 59 min 56 s
